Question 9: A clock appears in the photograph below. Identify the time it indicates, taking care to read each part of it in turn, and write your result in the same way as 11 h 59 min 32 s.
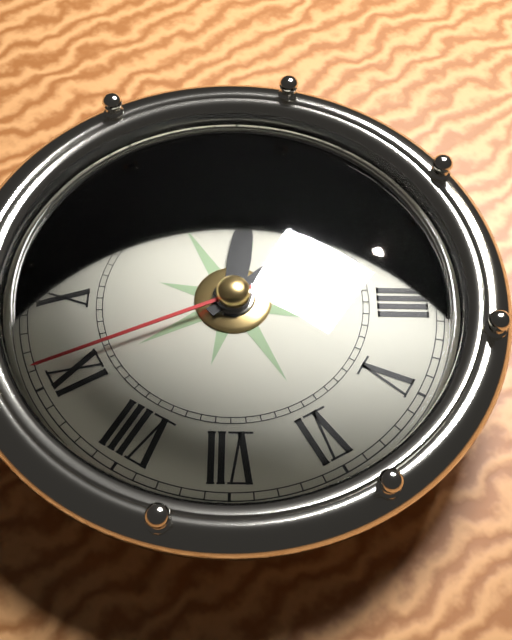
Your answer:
1 h 13 min 46 s
